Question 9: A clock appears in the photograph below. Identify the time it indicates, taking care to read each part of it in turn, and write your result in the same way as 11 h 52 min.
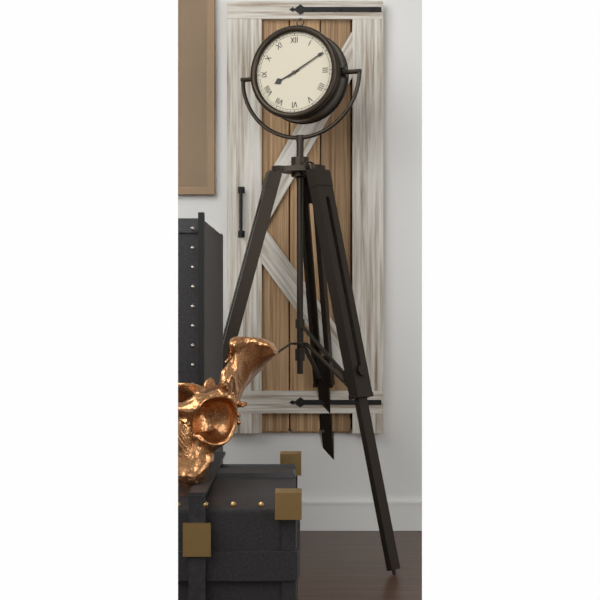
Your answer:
8 h 10 min
